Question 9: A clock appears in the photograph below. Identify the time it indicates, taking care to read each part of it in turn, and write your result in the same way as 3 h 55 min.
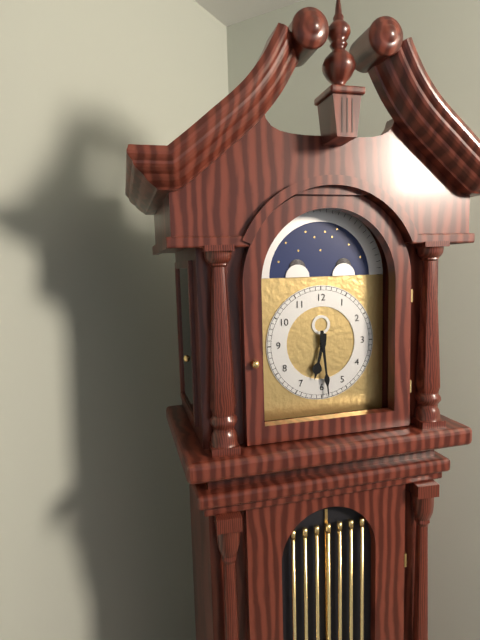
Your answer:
6 h 29 min
